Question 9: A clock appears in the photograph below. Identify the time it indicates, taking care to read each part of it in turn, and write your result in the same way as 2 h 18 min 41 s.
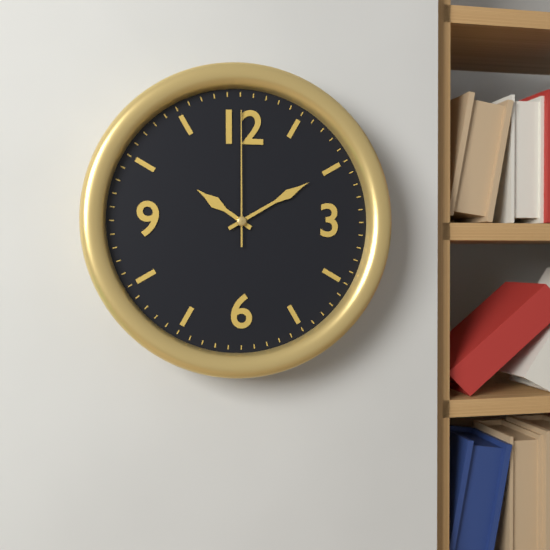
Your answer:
10 h 10 min 00 s
